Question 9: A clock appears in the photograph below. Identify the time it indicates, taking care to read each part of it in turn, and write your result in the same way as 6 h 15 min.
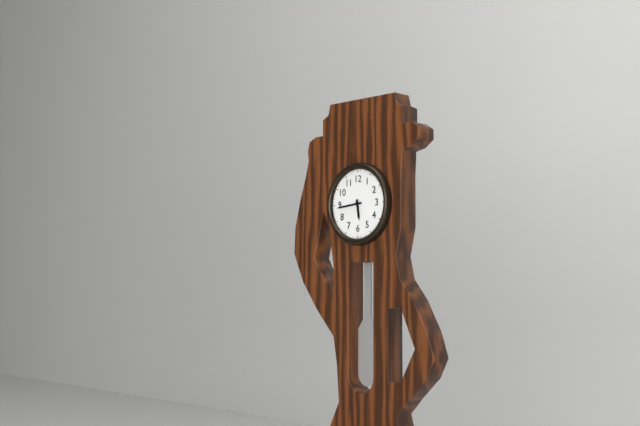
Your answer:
5 h 44 min
